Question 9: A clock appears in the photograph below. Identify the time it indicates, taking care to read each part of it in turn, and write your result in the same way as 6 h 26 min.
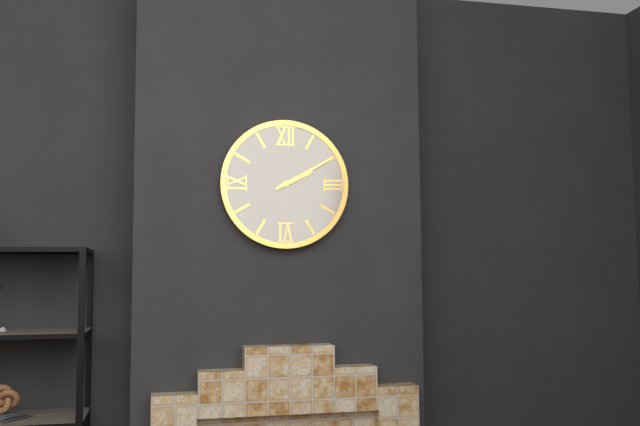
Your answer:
2 h 10 min
